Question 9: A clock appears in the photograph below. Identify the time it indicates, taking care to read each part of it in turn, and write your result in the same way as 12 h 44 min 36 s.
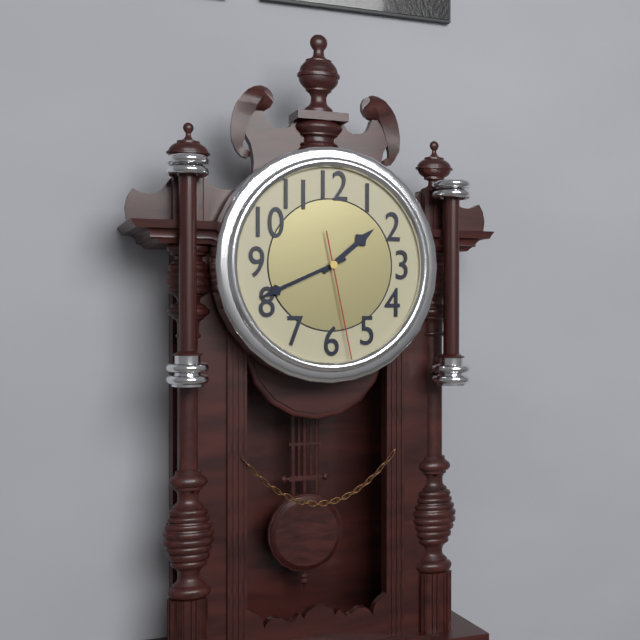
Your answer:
1 h 41 min 28 s
